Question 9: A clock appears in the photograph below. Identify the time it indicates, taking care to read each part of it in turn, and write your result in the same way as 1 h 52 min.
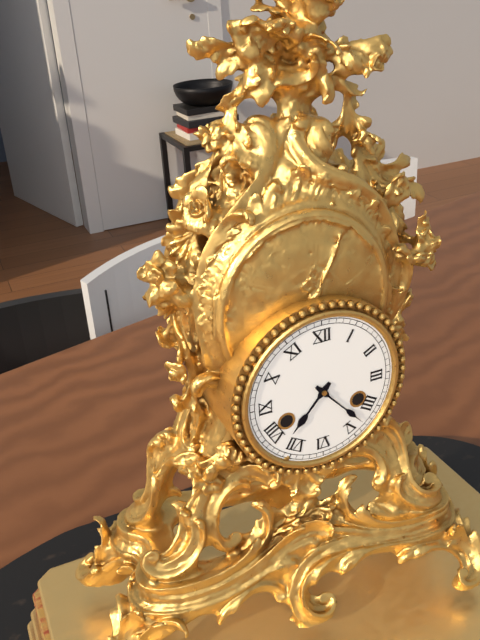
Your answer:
7 h 23 min
